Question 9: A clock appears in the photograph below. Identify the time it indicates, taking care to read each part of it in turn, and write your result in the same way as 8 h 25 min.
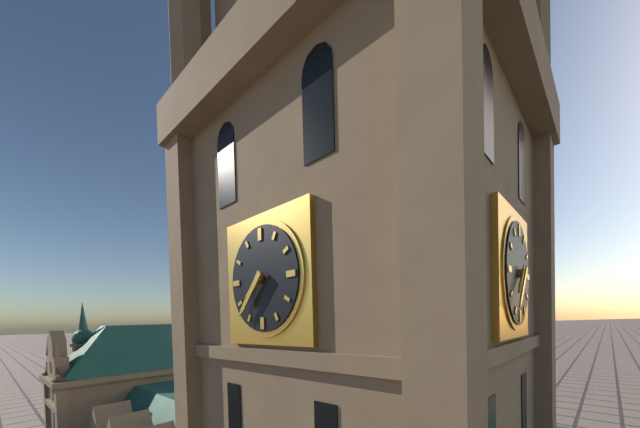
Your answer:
7 h 37 min
